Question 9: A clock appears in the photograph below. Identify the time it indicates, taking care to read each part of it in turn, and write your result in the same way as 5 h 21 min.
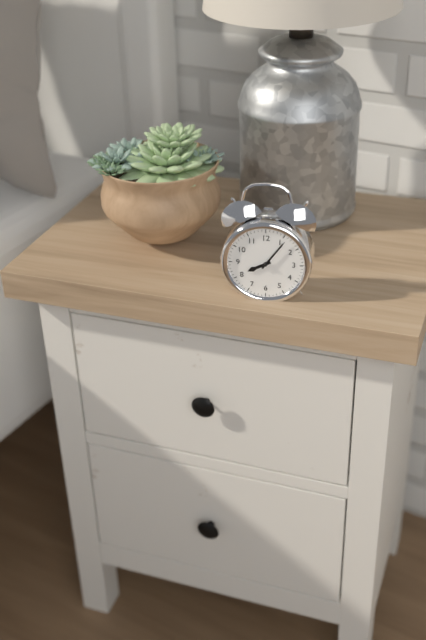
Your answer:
8 h 06 min
